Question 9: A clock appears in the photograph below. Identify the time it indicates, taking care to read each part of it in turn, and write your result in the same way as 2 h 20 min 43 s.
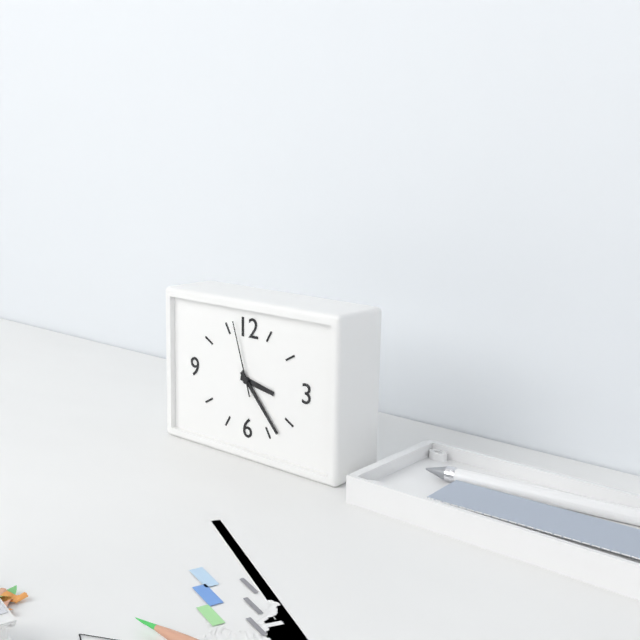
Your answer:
3 h 23 min 57 s
